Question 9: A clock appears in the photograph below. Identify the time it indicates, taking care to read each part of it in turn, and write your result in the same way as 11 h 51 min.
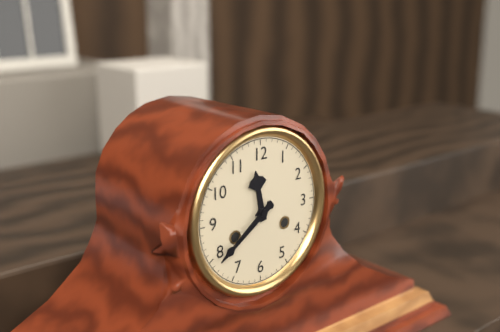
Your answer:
11 h 39 min
